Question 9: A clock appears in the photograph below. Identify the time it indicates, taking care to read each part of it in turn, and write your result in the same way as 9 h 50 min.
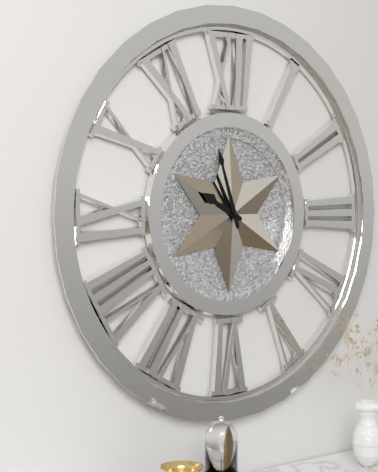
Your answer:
9 h 57 min
